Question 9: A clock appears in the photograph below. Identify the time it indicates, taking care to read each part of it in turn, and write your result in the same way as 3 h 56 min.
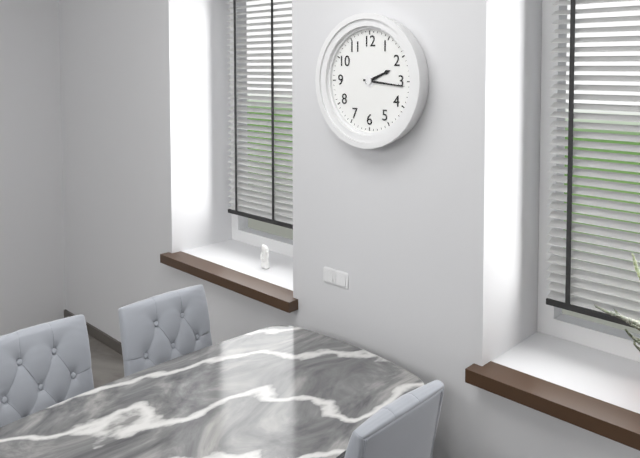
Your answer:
2 h 16 min
